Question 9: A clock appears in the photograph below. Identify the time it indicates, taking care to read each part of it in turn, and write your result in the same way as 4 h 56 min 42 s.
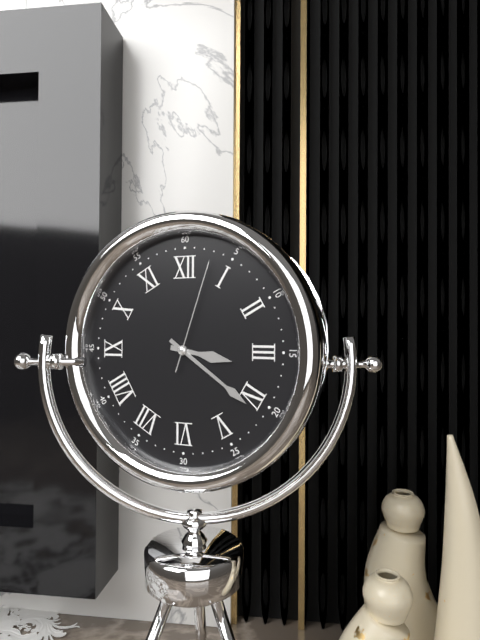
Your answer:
3 h 21 min 03 s
